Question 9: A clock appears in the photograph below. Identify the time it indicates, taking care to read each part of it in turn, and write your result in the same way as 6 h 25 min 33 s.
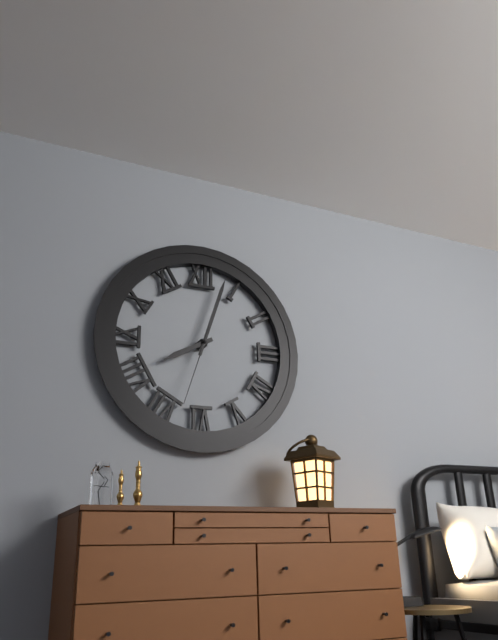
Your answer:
8 h 03 min 33 s
